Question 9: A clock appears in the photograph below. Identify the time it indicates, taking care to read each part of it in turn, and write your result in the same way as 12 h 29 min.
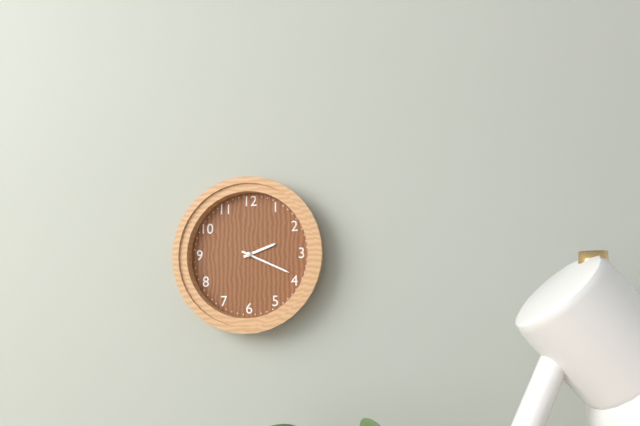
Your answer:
2 h 19 min
